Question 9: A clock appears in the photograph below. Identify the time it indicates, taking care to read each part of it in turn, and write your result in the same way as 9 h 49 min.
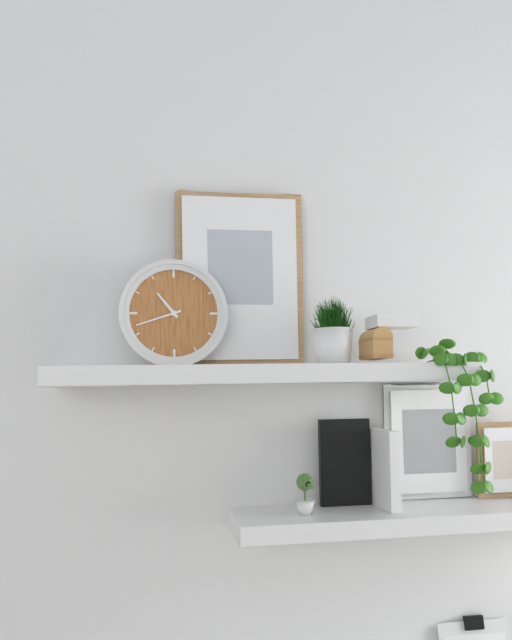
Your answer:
10 h 42 min
